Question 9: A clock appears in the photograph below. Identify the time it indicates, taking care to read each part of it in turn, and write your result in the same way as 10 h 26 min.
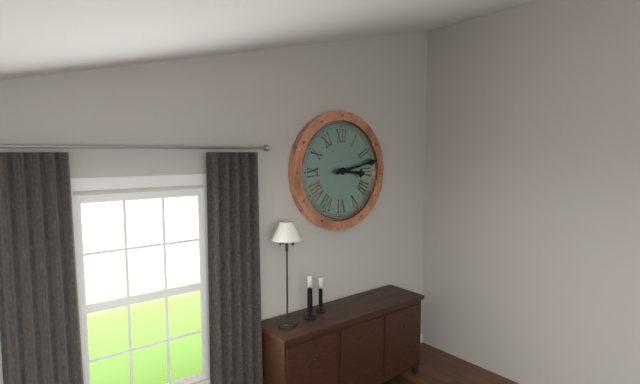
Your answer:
3 h 13 min
